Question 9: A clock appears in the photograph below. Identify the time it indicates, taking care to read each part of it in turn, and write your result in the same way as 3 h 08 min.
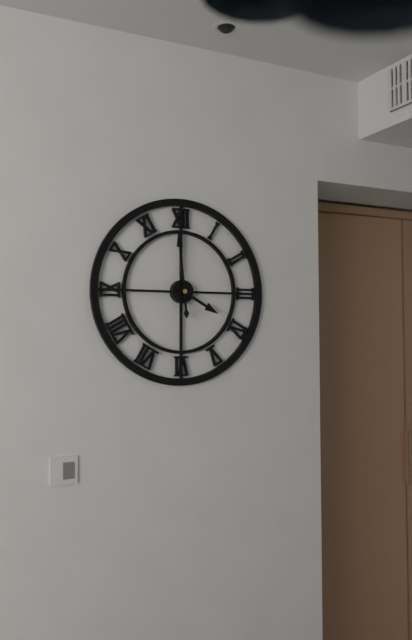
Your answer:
3 h 59 min
